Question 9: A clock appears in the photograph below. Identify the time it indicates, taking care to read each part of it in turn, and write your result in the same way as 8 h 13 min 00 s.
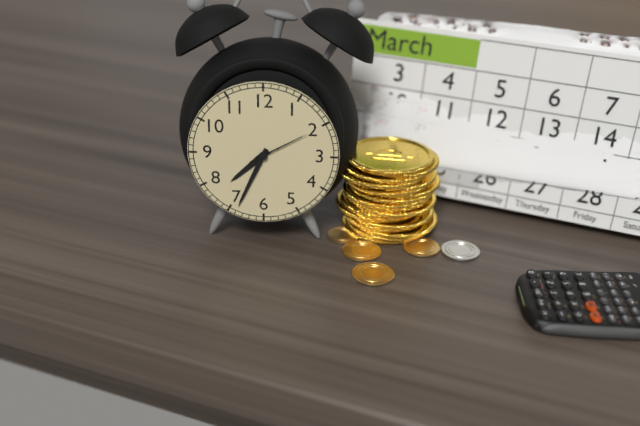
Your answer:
7 h 34 min 10 s
